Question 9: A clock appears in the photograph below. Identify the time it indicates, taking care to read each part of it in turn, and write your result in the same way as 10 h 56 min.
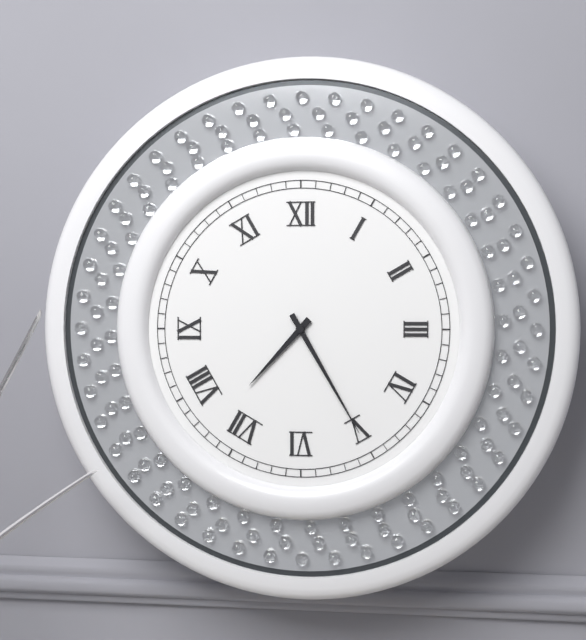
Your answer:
7 h 25 min
